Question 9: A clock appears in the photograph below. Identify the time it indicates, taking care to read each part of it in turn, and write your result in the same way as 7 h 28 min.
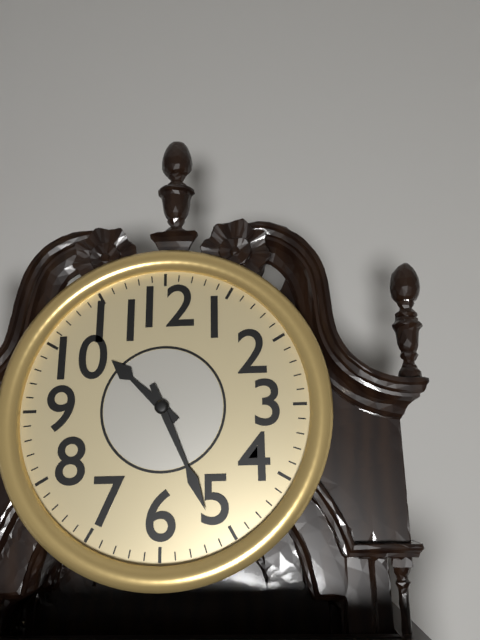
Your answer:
10 h 26 min
